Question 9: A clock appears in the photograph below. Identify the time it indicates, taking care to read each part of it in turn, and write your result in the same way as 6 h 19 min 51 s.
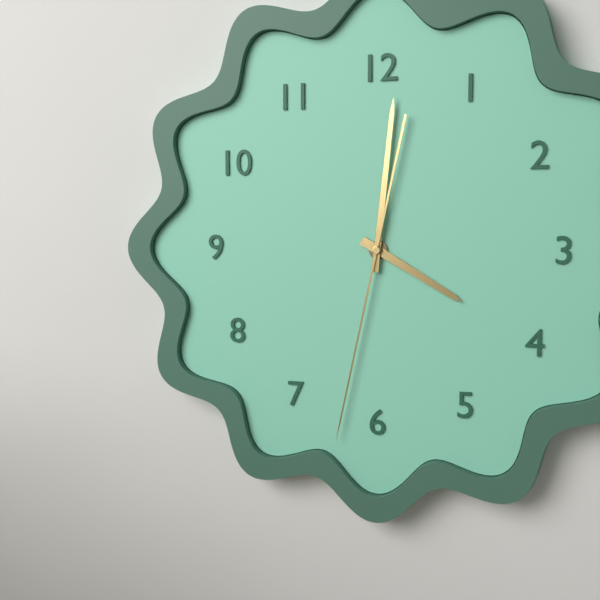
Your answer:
4 h 01 min 32 s
